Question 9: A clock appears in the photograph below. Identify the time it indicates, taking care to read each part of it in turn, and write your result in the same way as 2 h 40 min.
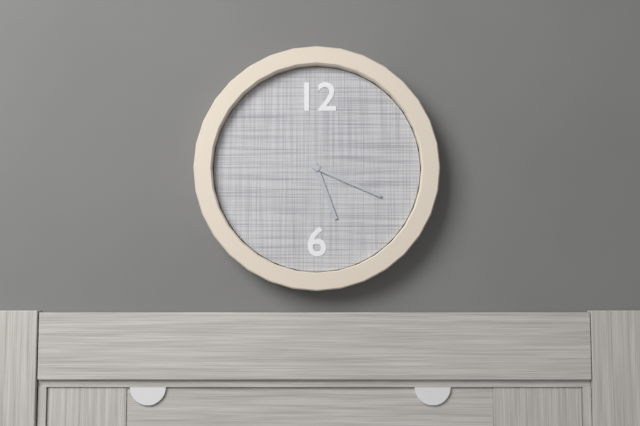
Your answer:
5 h 19 min
